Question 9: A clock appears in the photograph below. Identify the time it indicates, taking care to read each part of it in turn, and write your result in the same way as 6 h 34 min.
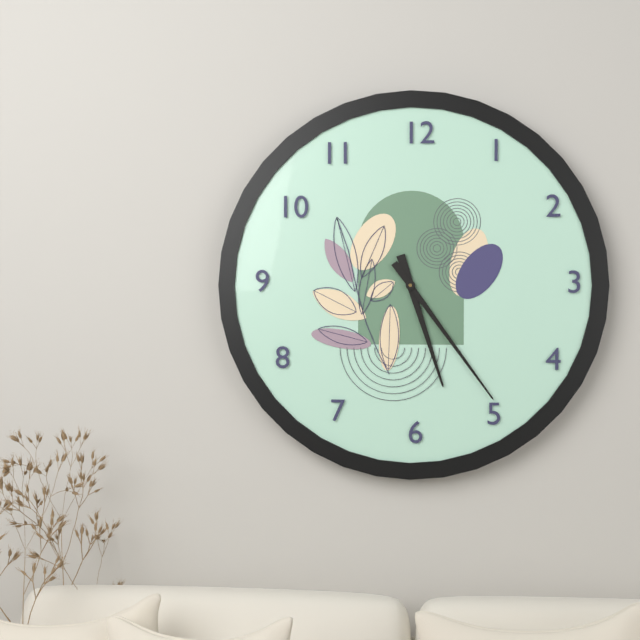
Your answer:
5 h 24 min
